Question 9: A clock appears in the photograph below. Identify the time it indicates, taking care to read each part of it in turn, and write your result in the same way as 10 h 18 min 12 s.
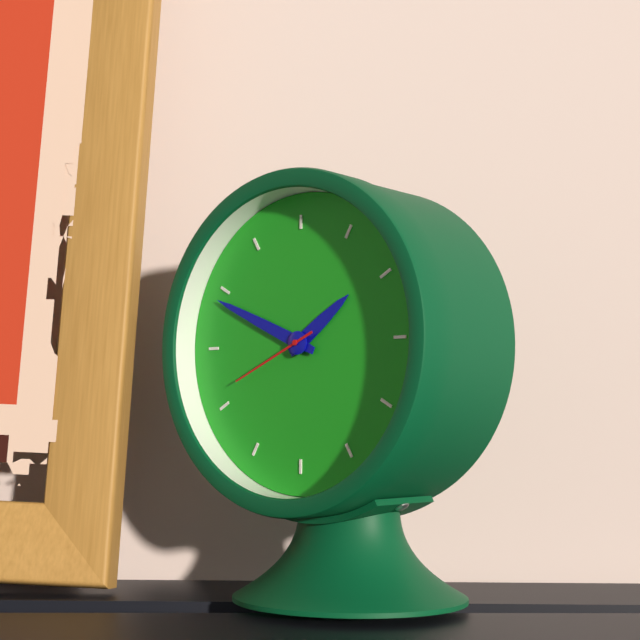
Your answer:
1 h 49 min 41 s
